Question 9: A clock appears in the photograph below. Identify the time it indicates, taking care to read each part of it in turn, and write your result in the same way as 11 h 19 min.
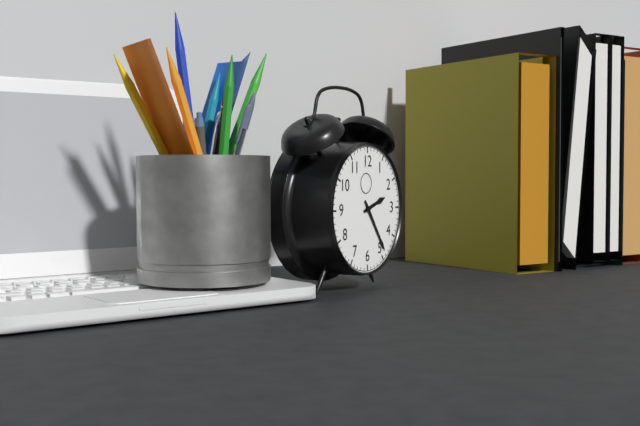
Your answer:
2 h 24 min
